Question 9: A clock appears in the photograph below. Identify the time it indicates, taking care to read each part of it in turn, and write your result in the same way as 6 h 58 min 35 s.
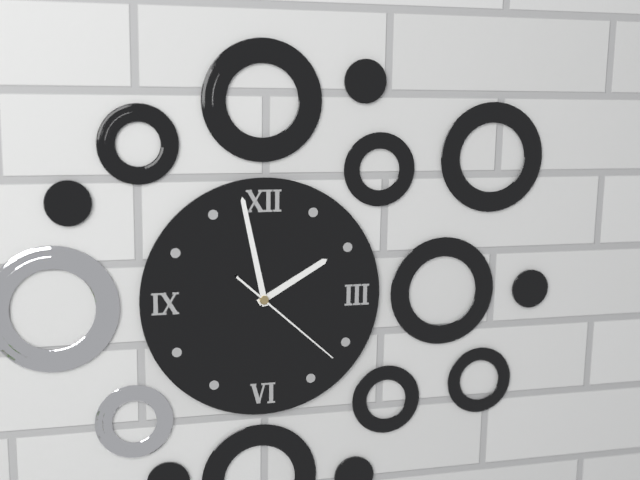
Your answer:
1 h 58 min 22 s
